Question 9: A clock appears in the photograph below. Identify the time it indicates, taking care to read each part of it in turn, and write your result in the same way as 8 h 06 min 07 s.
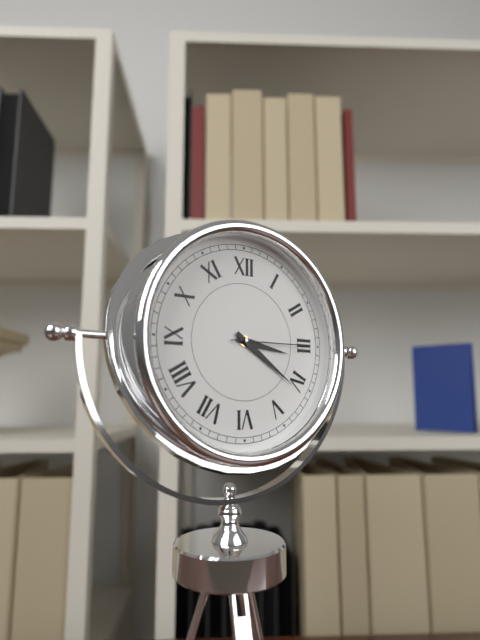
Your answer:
3 h 21 min 15 s
